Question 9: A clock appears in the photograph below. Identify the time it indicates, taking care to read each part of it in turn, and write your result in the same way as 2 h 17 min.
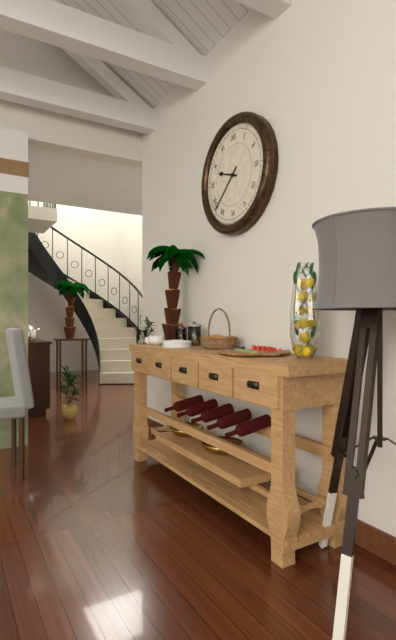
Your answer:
9 h 38 min
